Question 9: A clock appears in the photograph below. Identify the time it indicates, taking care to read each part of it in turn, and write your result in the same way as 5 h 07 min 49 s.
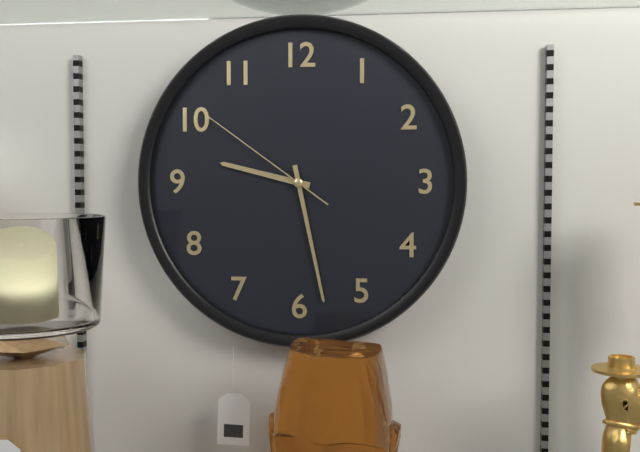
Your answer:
9 h 28 min 51 s
